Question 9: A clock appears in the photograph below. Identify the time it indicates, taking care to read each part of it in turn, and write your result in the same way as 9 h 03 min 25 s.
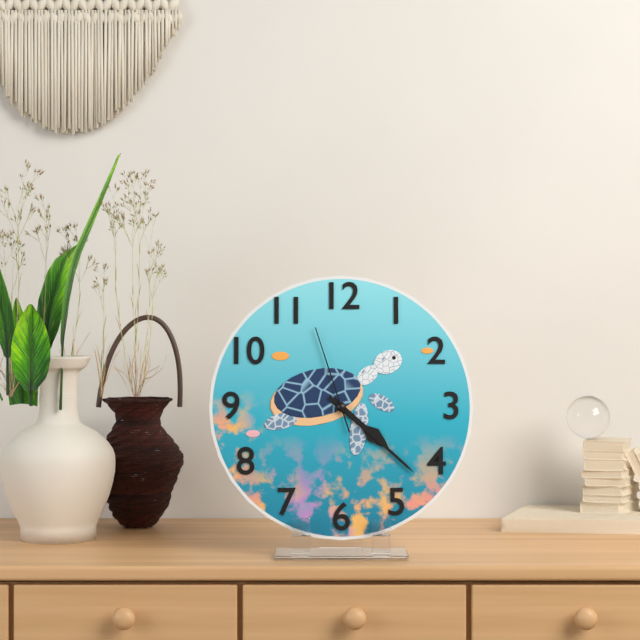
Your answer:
4 h 22 min 57 s
